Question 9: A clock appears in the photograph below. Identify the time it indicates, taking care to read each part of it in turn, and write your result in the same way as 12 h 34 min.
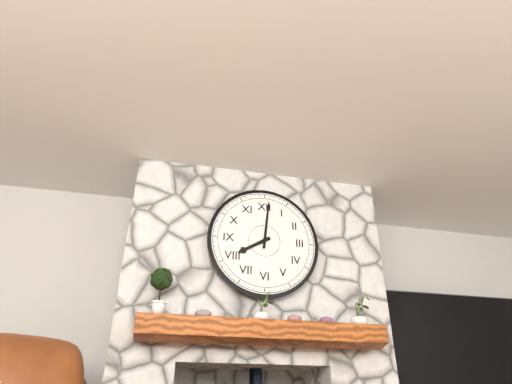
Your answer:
8 h 01 min
